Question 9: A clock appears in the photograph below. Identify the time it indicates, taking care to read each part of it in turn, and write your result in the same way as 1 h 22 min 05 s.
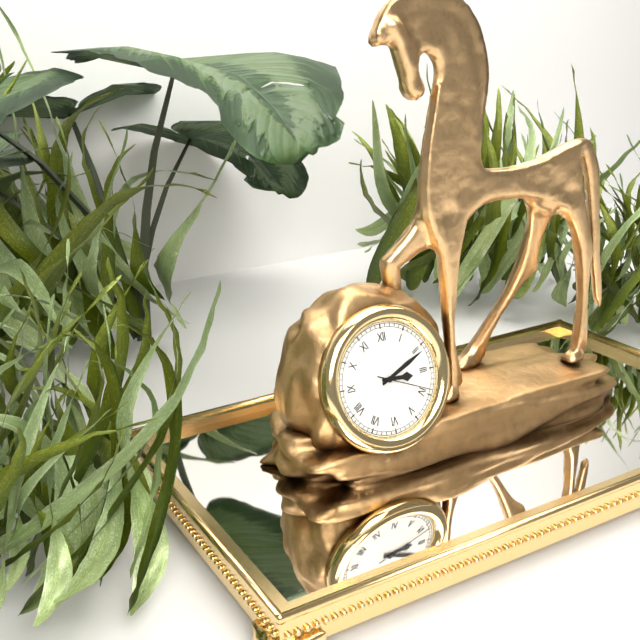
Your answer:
3 h 11 min 19 s
